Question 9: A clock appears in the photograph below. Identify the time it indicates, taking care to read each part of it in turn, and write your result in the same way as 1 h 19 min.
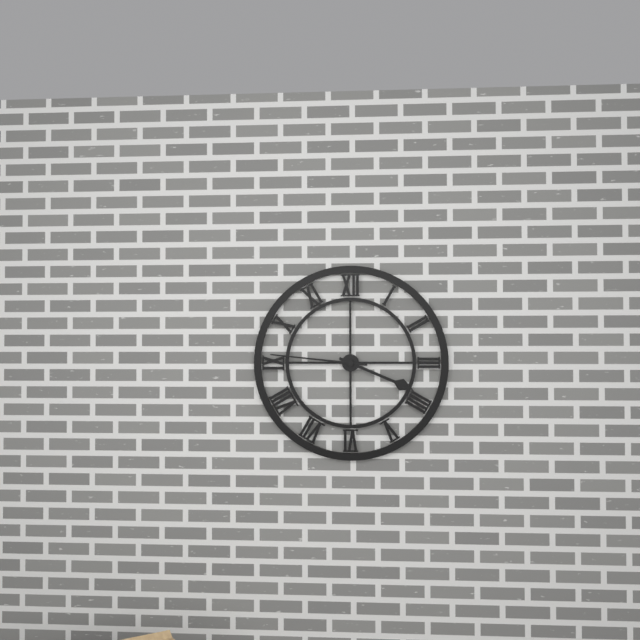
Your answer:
3 h 46 min
